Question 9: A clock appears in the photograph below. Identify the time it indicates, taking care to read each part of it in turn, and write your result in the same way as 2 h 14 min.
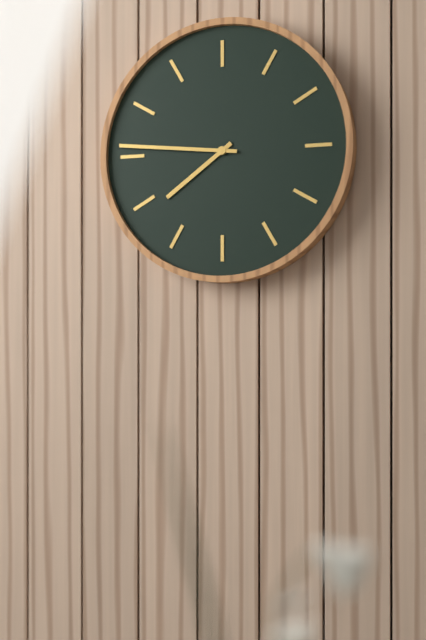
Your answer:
7 h 46 min
